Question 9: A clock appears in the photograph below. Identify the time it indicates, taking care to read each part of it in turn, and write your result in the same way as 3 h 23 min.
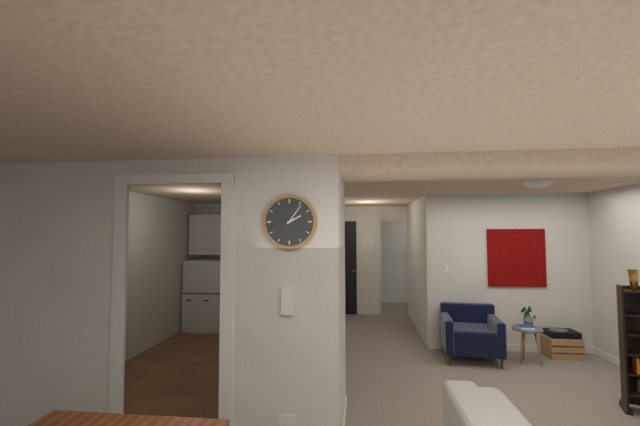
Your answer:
2 h 06 min
